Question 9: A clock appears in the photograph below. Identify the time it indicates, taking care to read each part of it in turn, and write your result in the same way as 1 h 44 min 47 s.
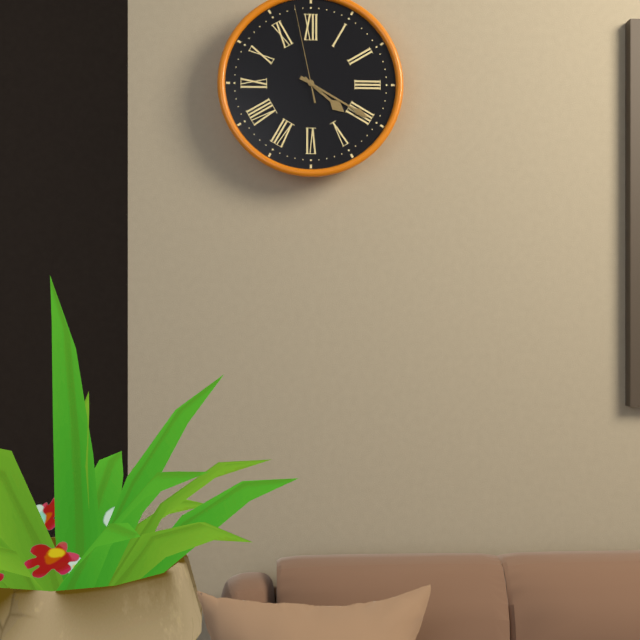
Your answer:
4 h 20 min 58 s
